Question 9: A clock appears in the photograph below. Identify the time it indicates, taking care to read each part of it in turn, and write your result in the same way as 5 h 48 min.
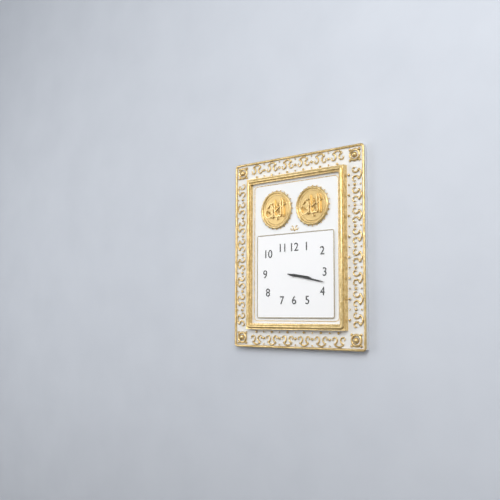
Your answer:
3 h 17 min
